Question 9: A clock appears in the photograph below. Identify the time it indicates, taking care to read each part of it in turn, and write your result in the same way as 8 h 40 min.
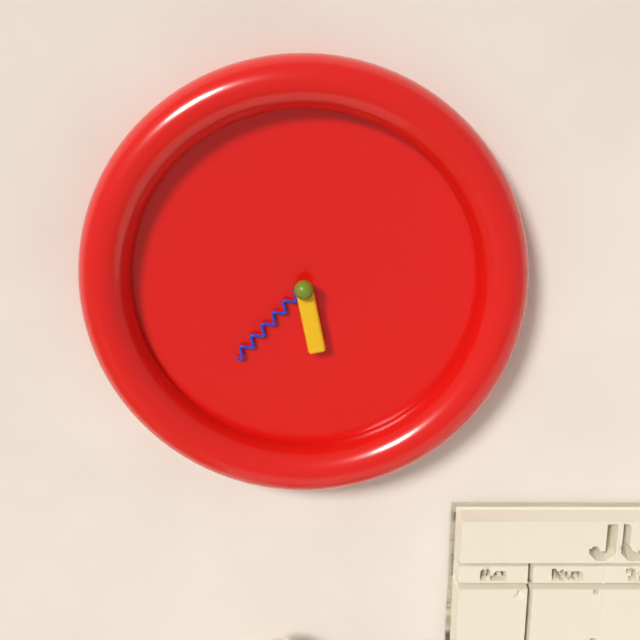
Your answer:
5 h 37 min
